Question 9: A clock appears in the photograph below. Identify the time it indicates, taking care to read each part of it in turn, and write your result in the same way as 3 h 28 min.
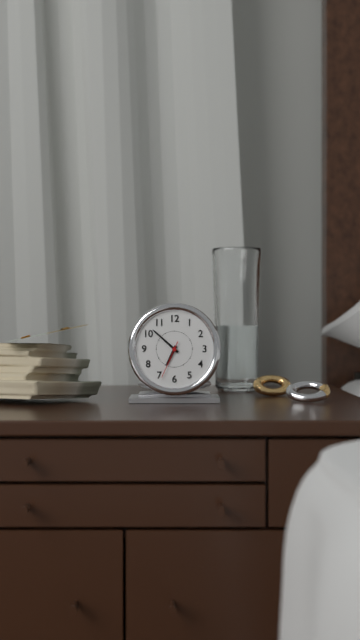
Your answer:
6 h 52 min
